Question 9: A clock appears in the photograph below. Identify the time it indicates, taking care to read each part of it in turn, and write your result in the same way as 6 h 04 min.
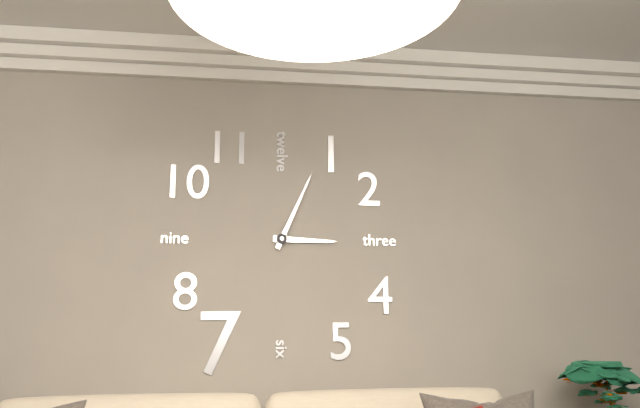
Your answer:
3 h 04 min
